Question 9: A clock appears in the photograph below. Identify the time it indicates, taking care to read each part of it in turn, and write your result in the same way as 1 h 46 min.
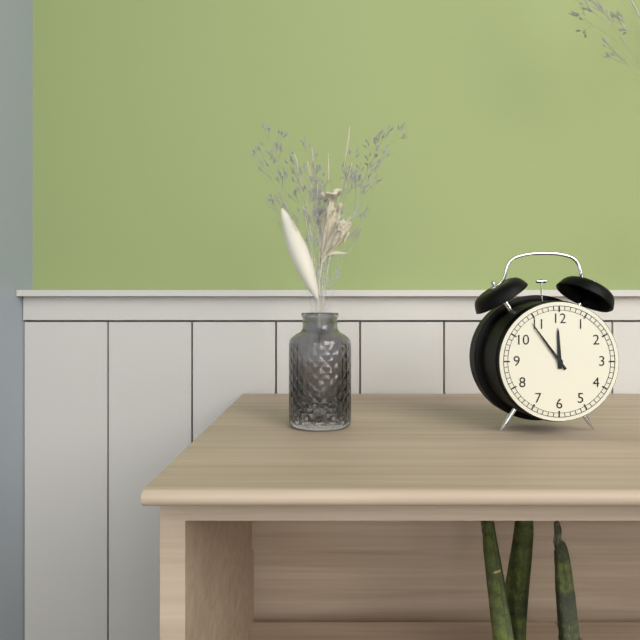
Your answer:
11 h 54 min
